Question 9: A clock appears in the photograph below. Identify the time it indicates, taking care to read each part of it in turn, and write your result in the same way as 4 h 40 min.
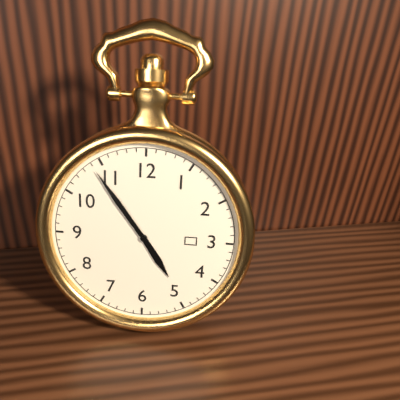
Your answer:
4 h 54 min
